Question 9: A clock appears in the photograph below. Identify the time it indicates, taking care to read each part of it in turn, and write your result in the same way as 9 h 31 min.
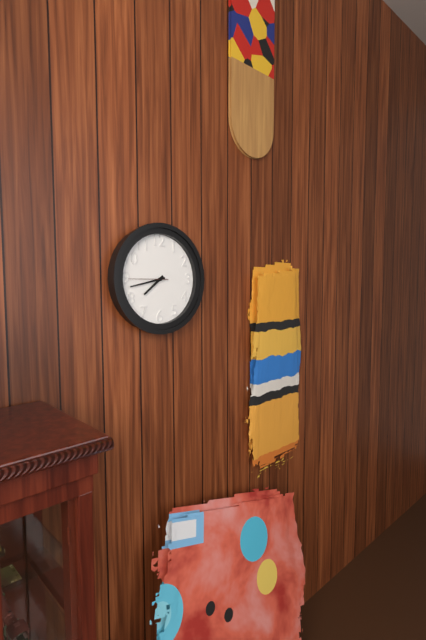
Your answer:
7 h 43 min
